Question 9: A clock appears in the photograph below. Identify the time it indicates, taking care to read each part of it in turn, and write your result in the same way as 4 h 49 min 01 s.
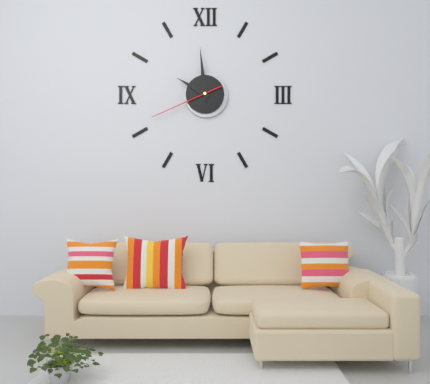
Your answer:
9 h 59 min 41 s
